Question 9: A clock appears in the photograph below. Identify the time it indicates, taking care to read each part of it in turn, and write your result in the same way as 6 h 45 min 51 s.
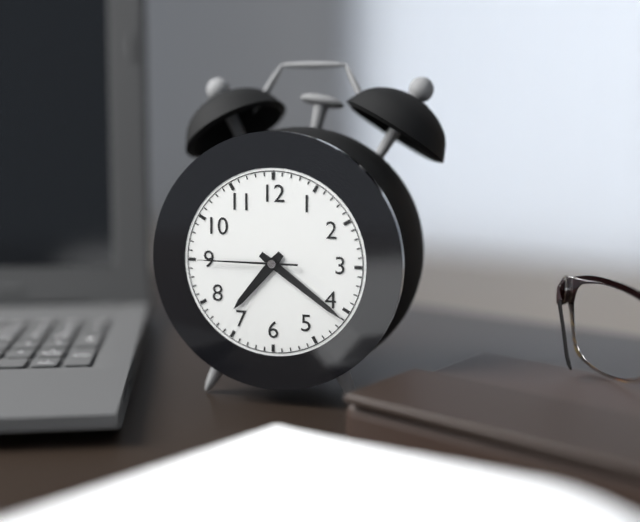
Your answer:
7 h 21 min 45 s
